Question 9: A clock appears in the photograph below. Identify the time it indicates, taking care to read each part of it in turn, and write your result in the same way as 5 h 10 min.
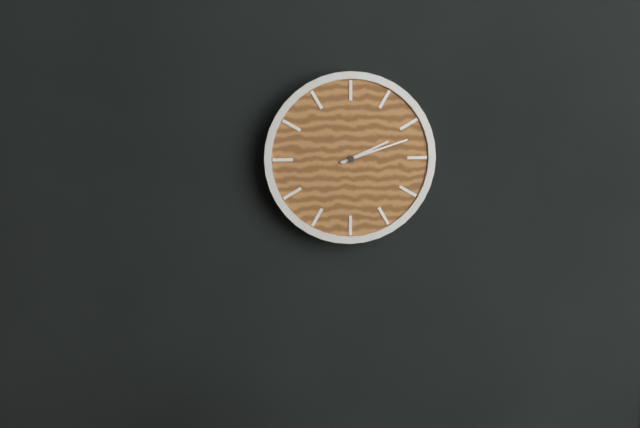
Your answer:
2 h 12 min
